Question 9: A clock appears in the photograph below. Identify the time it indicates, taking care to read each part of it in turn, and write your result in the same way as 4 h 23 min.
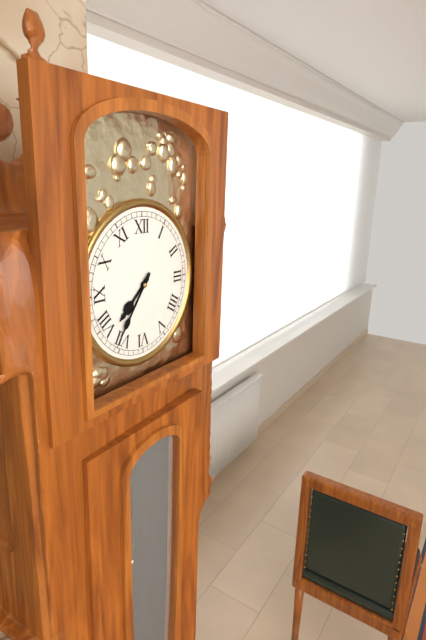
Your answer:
7 h 36 min
